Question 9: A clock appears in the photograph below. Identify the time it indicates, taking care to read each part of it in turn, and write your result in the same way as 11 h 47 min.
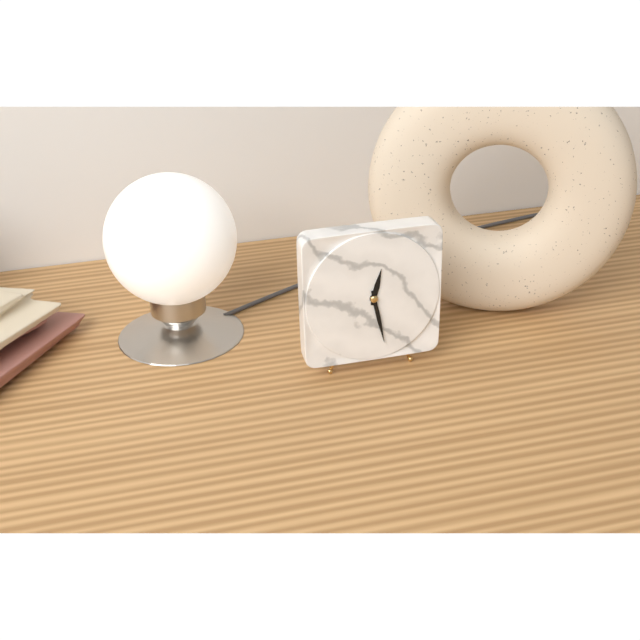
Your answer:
12 h 28 min
